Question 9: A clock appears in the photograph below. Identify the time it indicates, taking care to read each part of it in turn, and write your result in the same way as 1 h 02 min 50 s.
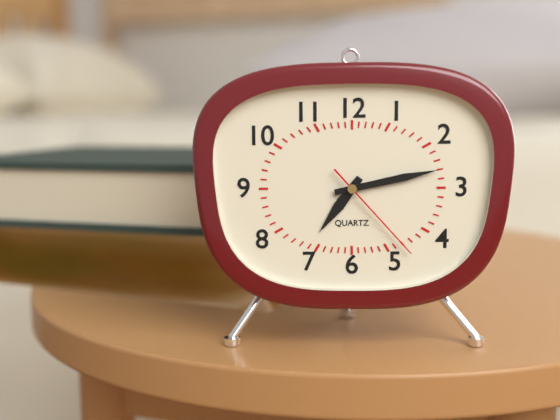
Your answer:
7 h 13 min 23 s
